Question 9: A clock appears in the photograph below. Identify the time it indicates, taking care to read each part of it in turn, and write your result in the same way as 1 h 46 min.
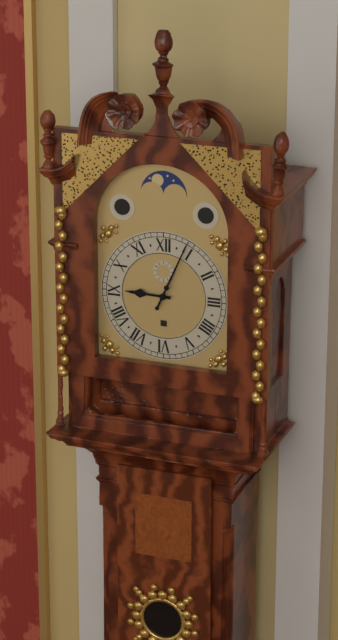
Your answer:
9 h 04 min
